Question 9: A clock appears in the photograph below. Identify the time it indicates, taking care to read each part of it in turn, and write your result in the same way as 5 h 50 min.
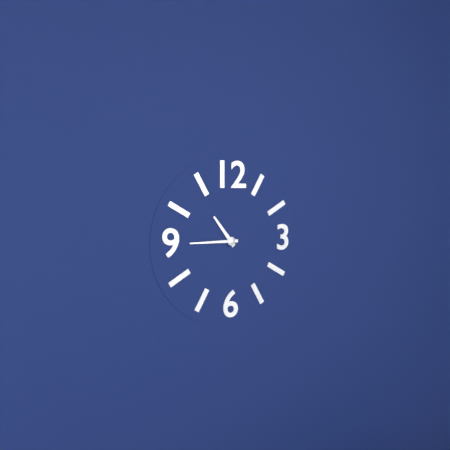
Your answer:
10 h 45 min
